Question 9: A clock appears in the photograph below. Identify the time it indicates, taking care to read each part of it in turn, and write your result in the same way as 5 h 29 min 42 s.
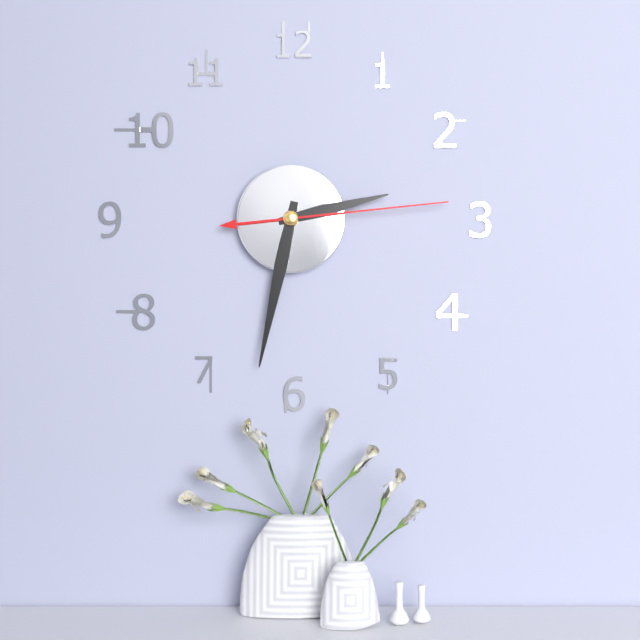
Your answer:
2 h 32 min 14 s
